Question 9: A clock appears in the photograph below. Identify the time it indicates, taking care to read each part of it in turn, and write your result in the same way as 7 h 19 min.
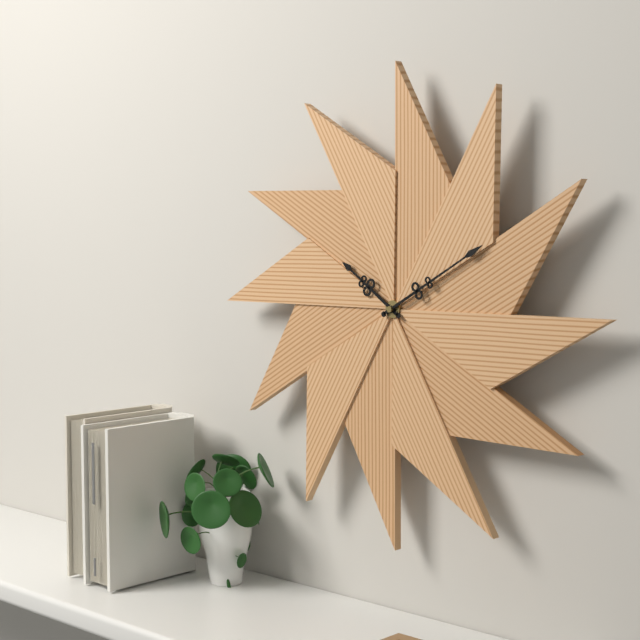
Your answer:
10 h 10 min
